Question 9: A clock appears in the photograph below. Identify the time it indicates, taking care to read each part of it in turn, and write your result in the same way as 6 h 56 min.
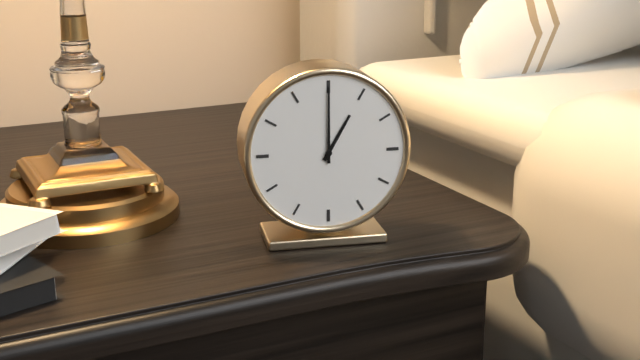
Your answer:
1 h 00 min
